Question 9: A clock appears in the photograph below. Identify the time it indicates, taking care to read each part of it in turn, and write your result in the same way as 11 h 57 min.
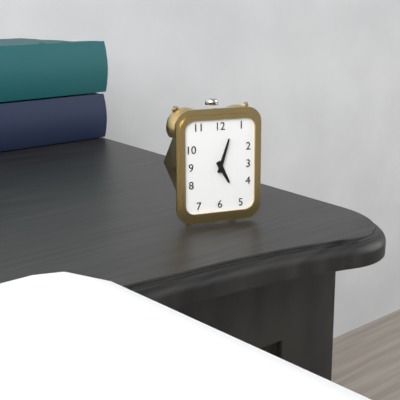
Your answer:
5 h 03 min
